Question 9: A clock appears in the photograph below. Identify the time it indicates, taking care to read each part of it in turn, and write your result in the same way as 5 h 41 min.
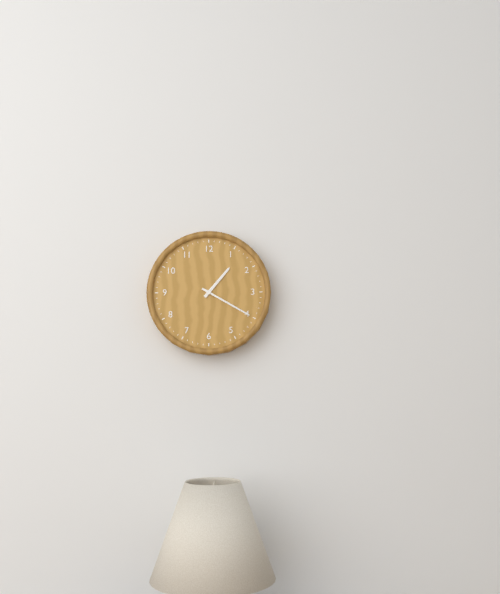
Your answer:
1 h 20 min
